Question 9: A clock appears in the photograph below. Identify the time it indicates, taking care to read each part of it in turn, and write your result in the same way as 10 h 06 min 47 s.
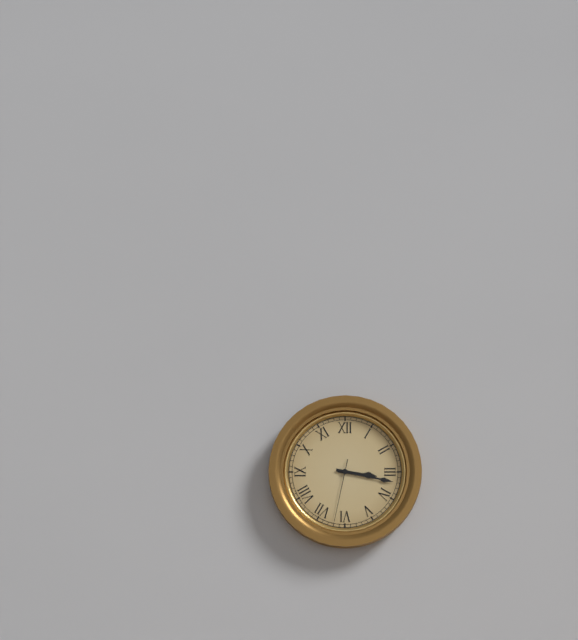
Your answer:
3 h 17 min 32 s
